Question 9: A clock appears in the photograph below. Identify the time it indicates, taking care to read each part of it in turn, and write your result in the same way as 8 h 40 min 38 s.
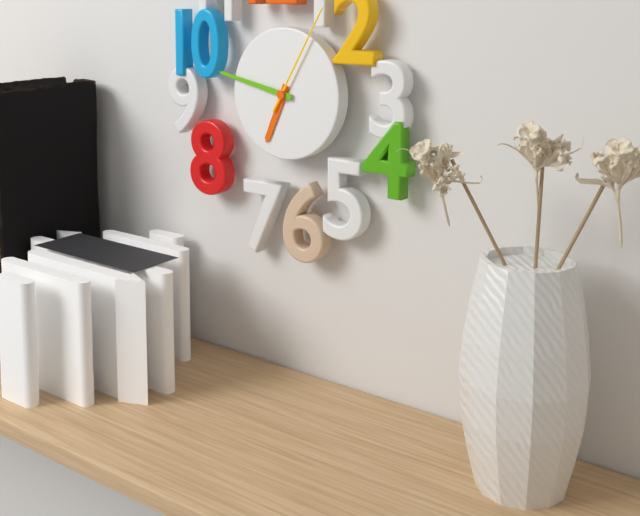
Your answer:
6 h 47 min 05 s
